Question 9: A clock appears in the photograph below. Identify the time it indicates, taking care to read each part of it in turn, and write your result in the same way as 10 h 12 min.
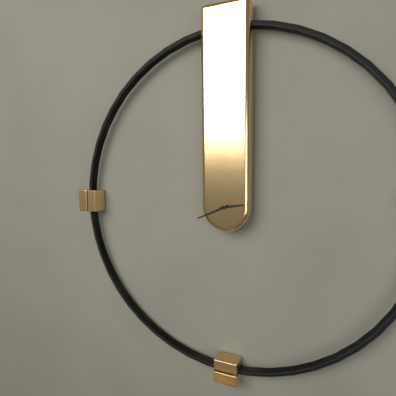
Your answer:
2 h 41 min
